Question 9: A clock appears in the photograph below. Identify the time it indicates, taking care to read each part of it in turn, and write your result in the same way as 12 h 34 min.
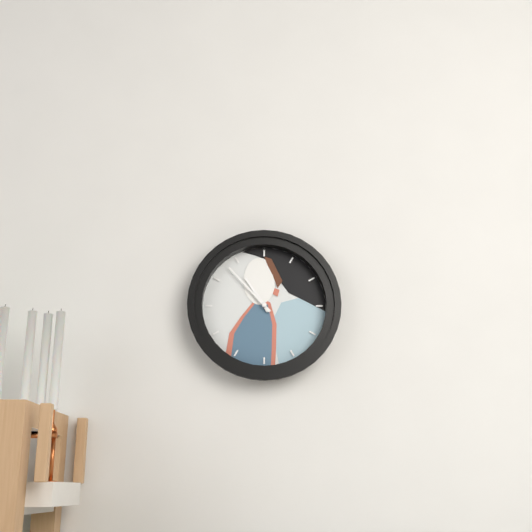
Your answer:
10 h 53 min
